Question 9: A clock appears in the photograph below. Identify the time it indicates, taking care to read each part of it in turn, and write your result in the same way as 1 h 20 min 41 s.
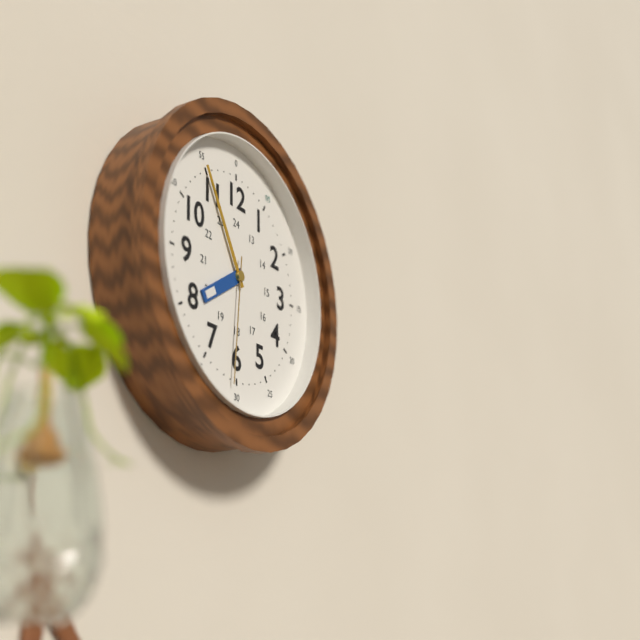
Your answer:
7 h 55 min 31 s
